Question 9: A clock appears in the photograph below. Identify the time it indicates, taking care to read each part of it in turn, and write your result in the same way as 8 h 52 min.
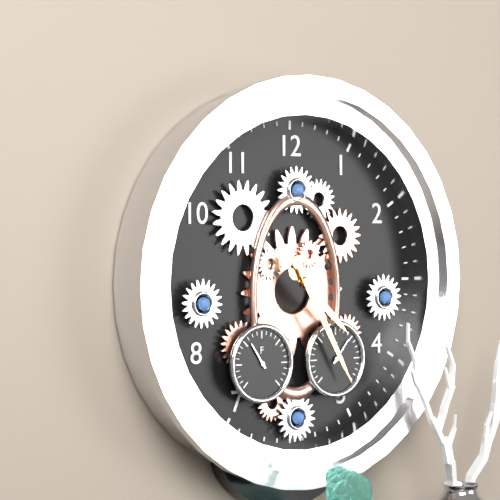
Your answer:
4 h 25 min
